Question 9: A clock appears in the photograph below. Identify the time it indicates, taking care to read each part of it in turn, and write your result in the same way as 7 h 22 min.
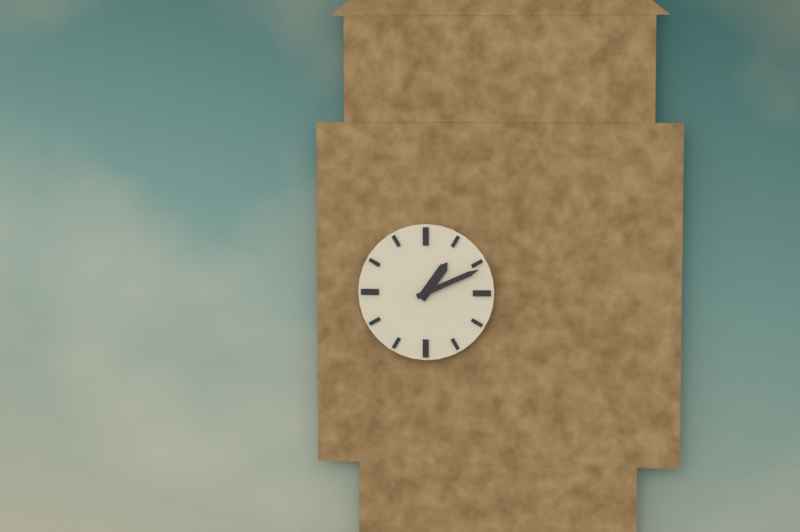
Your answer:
1 h 11 min
